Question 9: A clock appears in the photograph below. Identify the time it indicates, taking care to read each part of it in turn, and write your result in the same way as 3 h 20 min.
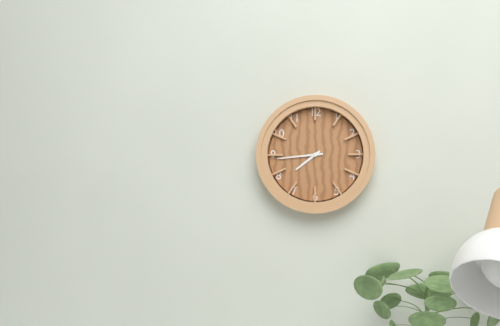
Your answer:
7 h 44 min
